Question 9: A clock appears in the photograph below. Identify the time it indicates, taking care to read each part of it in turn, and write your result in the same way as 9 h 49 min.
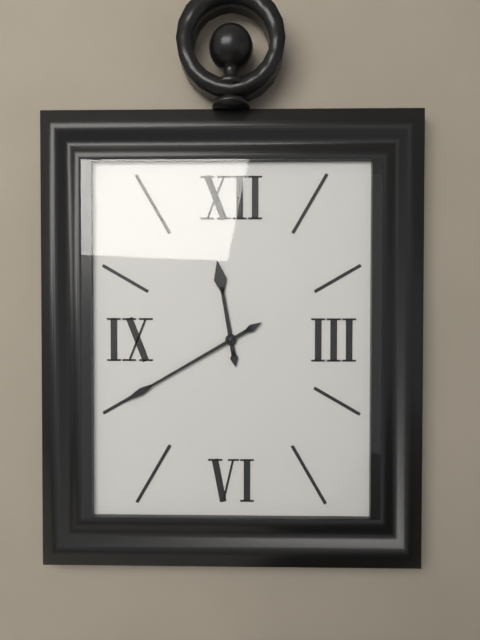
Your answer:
11 h 40 min
